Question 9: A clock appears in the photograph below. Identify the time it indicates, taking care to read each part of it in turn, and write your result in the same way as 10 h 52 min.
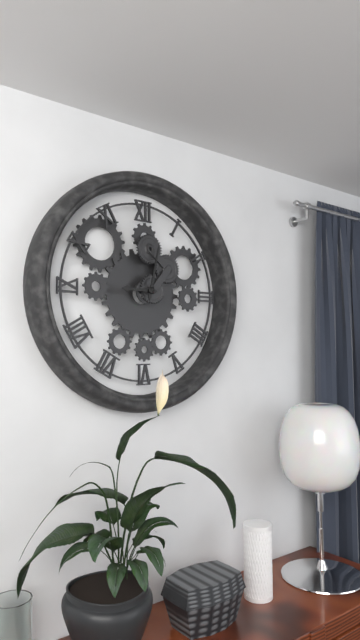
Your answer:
9 h 02 min
